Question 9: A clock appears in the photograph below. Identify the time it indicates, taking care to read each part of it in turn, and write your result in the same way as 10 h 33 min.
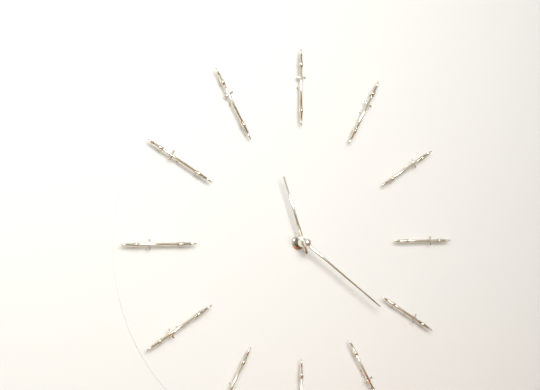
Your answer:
11 h 21 min
